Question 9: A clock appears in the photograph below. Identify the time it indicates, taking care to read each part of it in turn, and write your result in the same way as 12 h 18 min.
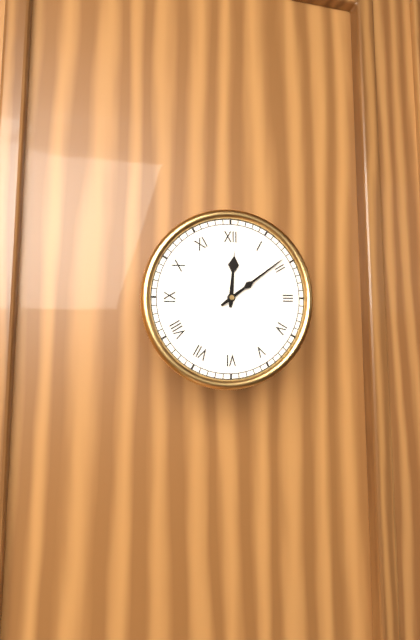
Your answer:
12 h 09 min
